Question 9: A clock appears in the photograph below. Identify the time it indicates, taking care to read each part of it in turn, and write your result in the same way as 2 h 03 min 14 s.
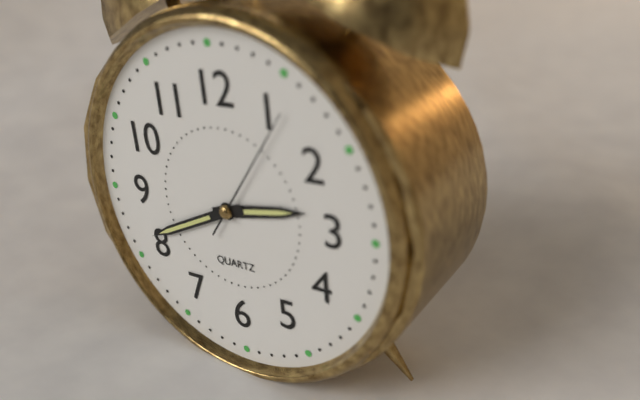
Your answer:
2 h 41 min 06 s
